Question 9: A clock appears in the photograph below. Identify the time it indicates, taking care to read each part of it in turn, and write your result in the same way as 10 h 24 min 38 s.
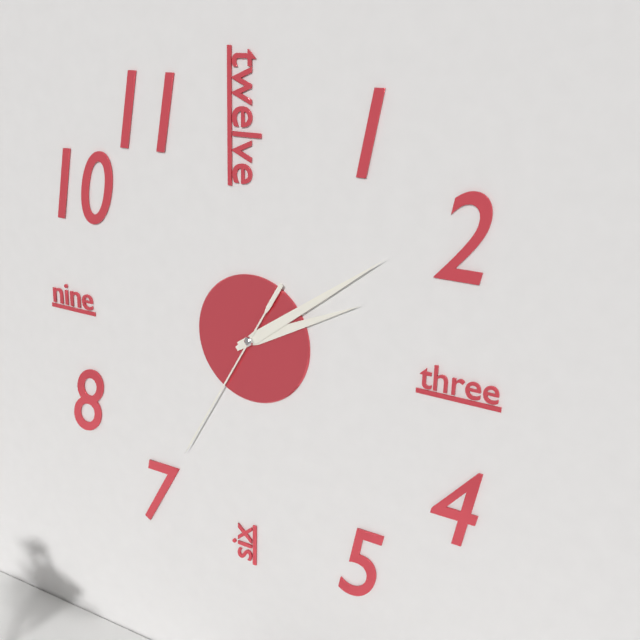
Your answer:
2 h 09 min 35 s
